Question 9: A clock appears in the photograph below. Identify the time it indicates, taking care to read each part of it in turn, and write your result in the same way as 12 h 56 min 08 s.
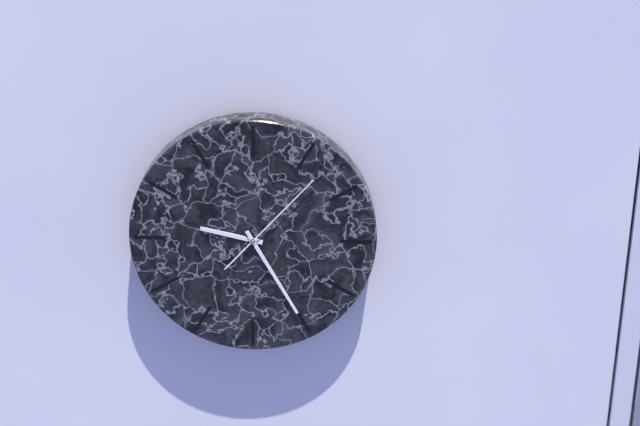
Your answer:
9 h 25 min 07 s
